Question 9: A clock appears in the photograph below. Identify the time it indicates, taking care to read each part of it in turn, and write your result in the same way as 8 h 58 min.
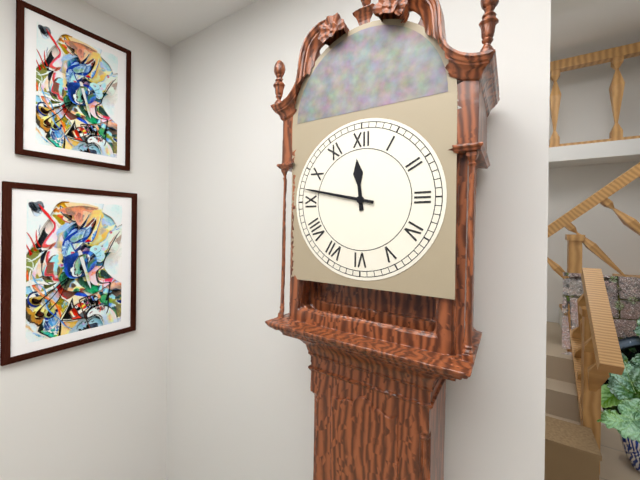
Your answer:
11 h 47 min
